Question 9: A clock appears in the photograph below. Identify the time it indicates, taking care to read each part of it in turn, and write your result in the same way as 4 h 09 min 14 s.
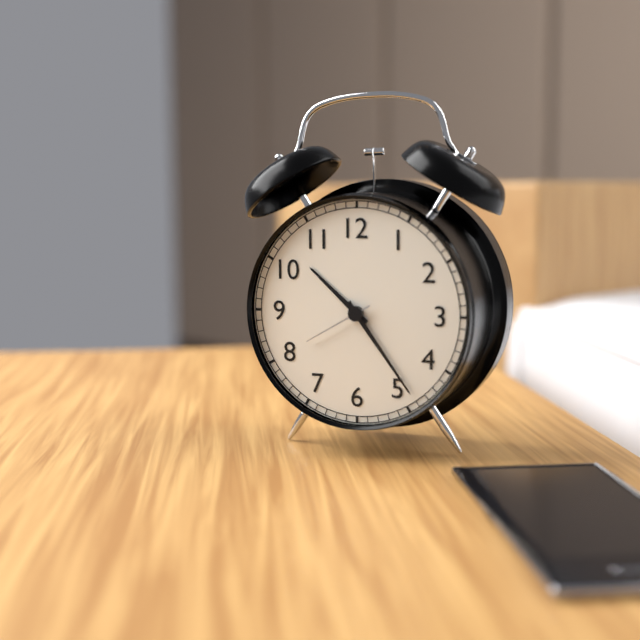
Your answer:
10 h 24 min 40 s
